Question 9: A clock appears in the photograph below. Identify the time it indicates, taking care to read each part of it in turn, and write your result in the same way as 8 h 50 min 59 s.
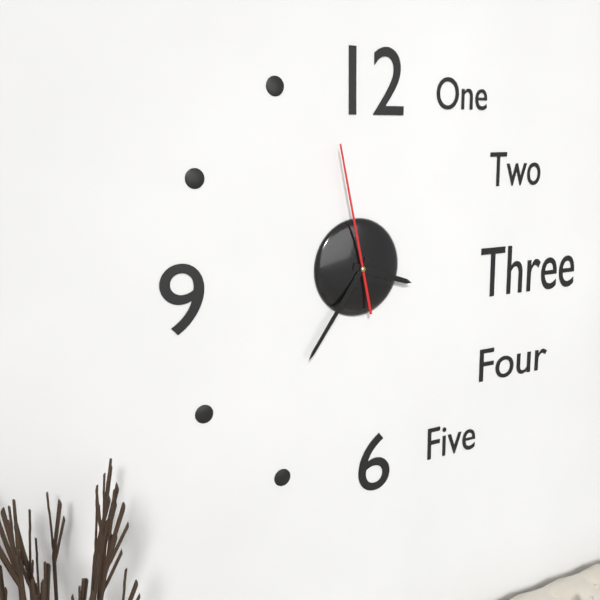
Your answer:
3 h 36 min 58 s
